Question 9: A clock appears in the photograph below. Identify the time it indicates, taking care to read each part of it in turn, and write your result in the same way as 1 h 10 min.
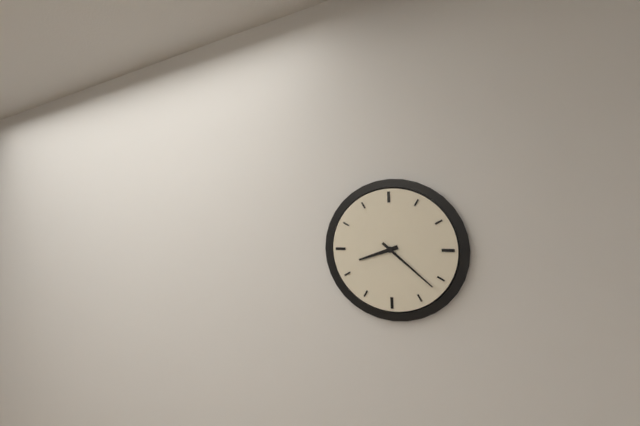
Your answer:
8 h 22 min
